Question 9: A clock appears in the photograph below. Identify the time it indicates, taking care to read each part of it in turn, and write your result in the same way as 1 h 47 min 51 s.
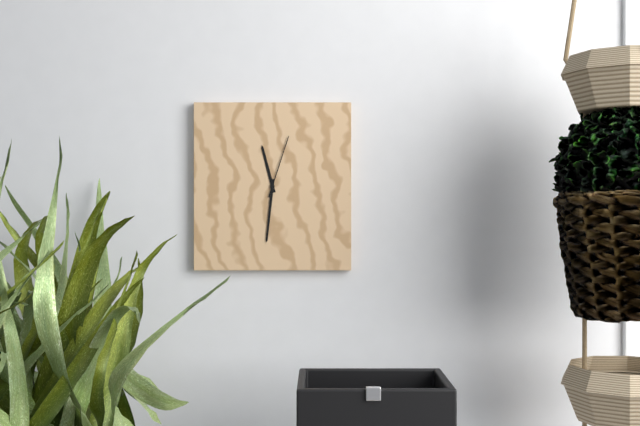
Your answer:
11 h 31 min 03 s
